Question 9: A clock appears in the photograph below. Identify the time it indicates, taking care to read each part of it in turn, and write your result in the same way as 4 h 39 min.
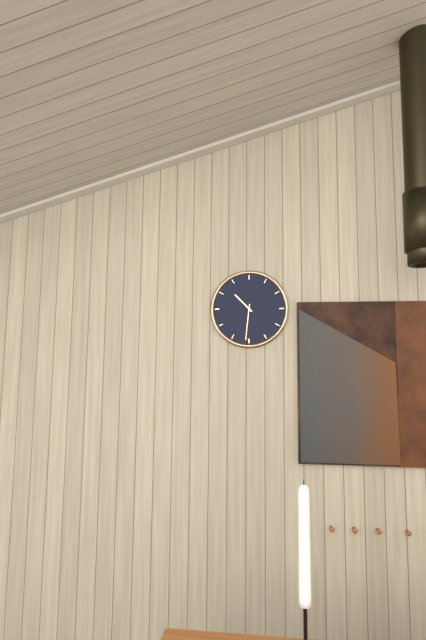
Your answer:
10 h 31 min
